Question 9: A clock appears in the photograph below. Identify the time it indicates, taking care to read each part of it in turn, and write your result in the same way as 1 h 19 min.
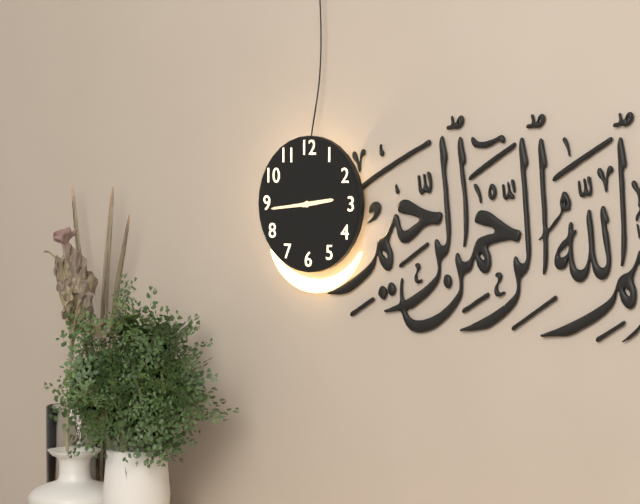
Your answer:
2 h 44 min
